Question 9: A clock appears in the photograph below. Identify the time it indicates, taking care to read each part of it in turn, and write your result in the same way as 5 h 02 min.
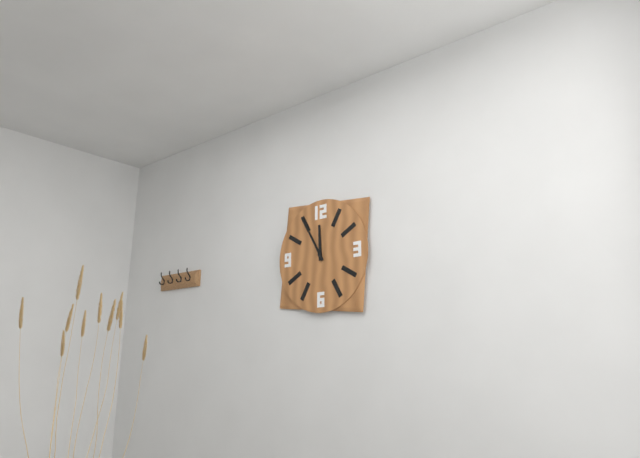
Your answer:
11 h 55 min
